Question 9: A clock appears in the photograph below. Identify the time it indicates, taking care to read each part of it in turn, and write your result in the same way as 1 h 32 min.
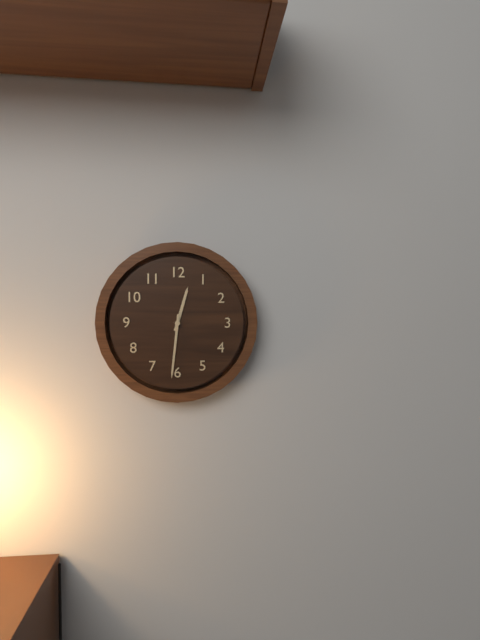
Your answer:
12 h 31 min
